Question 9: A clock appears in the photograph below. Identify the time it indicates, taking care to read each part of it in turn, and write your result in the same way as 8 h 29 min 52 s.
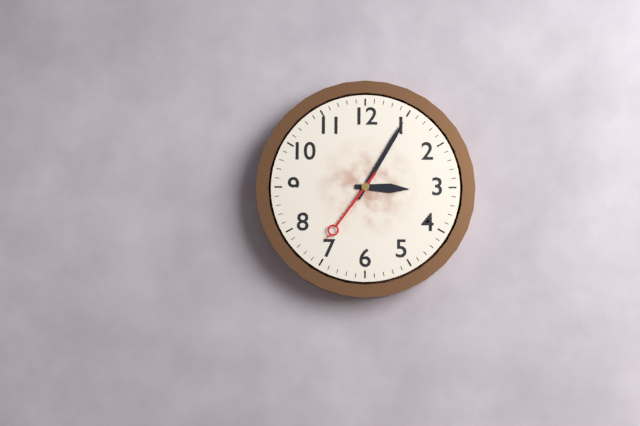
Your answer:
3 h 05 min 36 s
